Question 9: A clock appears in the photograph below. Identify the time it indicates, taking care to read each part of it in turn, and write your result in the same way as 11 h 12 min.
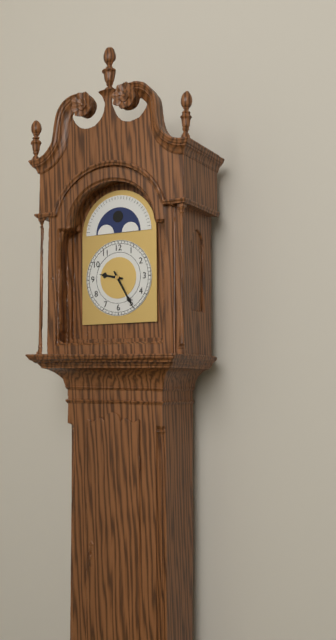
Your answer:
9 h 25 min
